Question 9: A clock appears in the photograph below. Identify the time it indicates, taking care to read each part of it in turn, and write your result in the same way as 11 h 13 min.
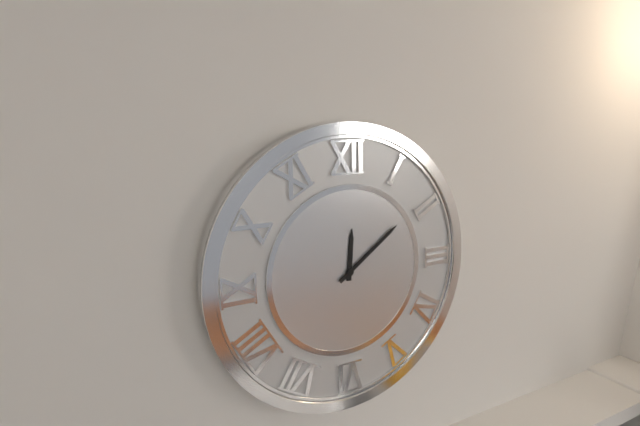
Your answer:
12 h 09 min
